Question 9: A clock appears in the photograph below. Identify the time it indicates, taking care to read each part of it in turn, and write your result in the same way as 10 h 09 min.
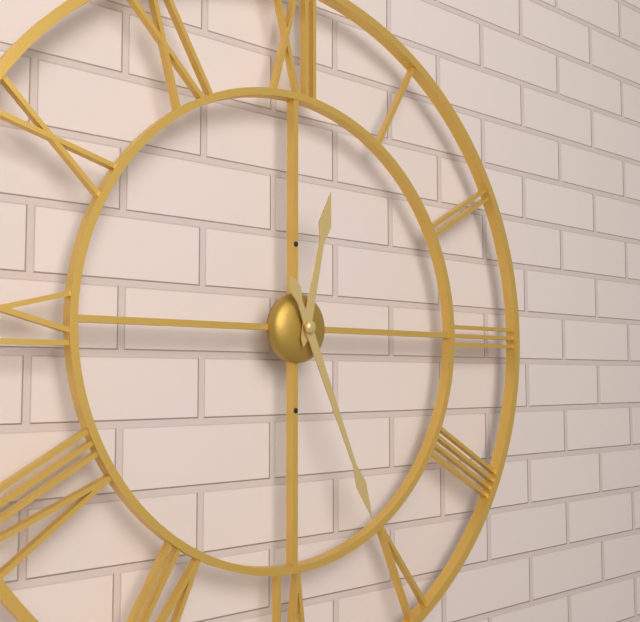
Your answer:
12 h 26 min
